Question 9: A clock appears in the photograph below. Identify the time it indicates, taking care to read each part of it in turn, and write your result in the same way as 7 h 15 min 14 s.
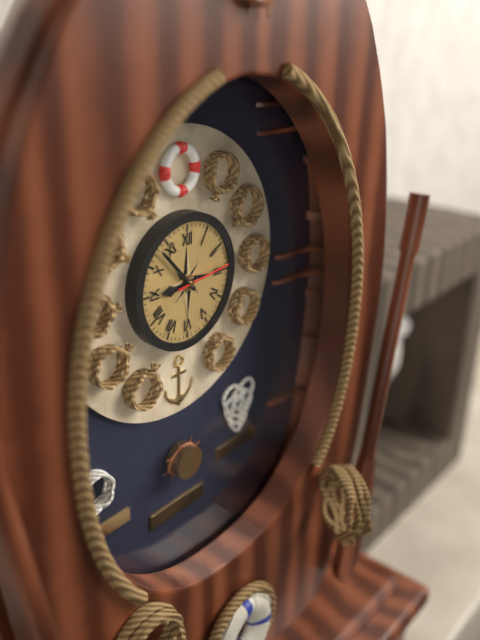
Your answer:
8 h 53 min 14 s
